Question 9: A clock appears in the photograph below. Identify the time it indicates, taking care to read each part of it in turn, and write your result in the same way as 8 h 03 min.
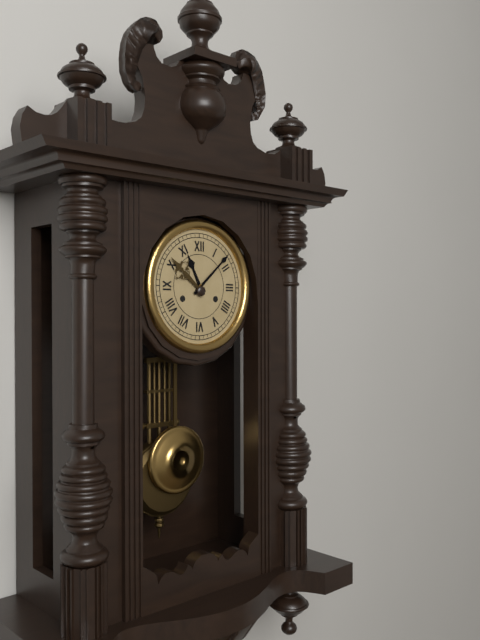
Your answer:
11 h 08 min
